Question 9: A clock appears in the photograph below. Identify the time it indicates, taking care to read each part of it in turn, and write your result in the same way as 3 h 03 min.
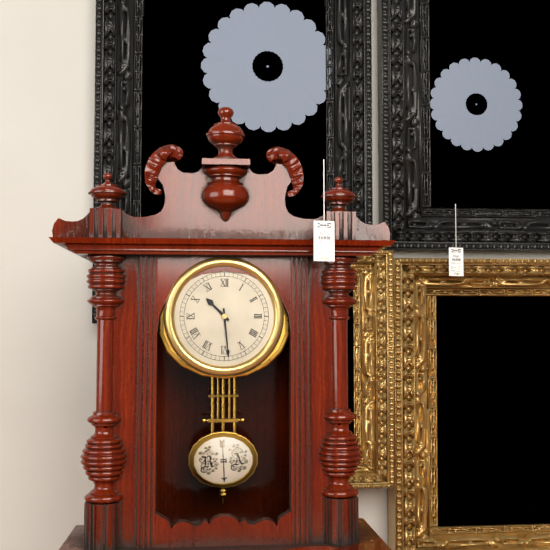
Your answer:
10 h 29 min
